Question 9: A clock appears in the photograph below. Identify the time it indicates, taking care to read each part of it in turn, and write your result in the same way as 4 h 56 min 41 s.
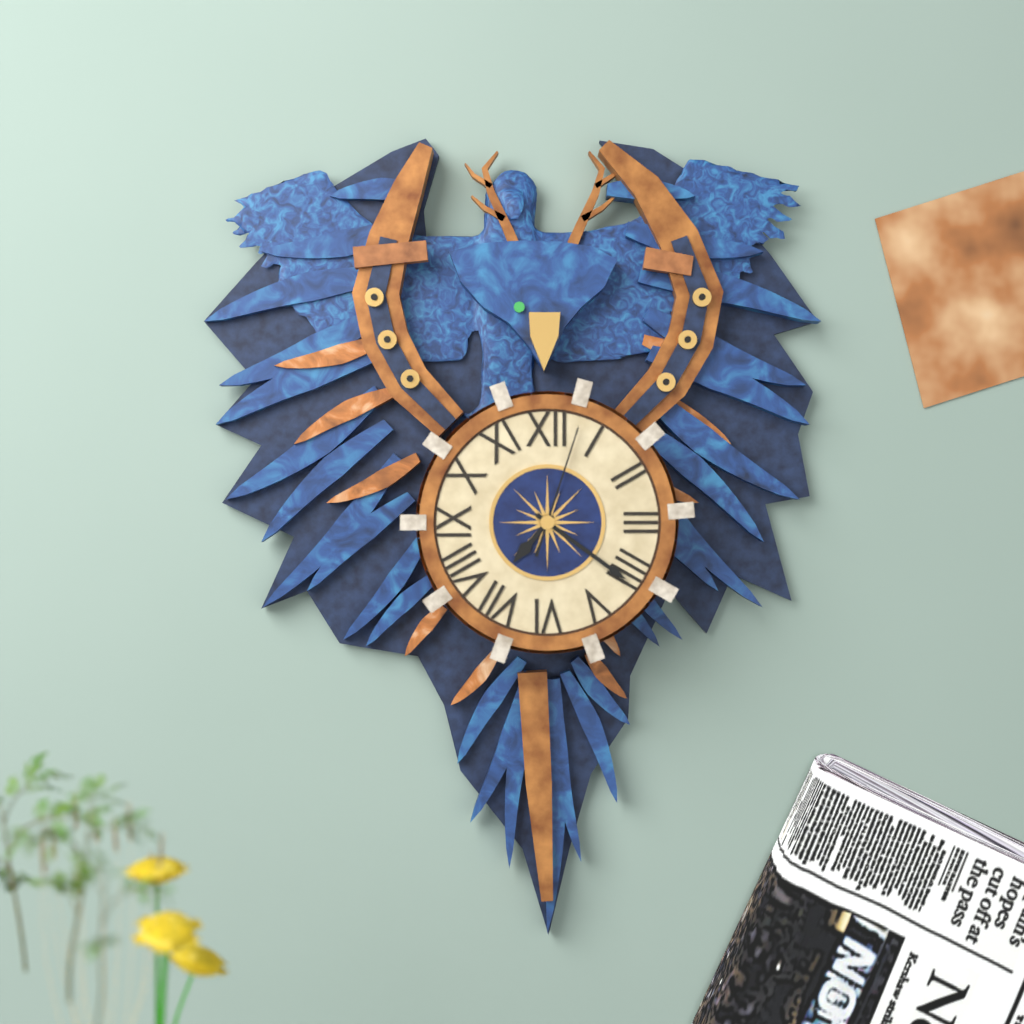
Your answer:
7 h 21 min 03 s
